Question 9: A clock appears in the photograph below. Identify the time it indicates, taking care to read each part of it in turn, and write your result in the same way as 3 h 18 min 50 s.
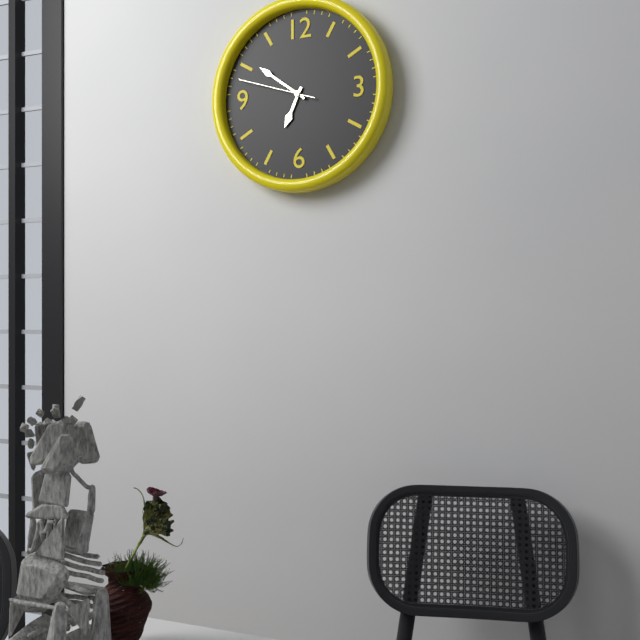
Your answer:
6 h 51 min 48 s
